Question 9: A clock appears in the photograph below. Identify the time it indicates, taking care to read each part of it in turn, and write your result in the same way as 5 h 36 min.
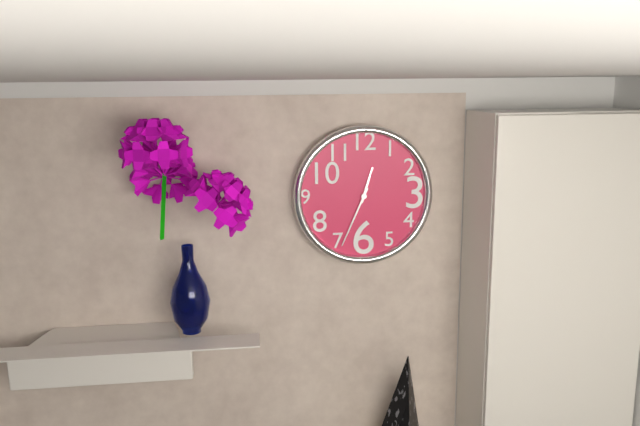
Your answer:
12 h 34 min
